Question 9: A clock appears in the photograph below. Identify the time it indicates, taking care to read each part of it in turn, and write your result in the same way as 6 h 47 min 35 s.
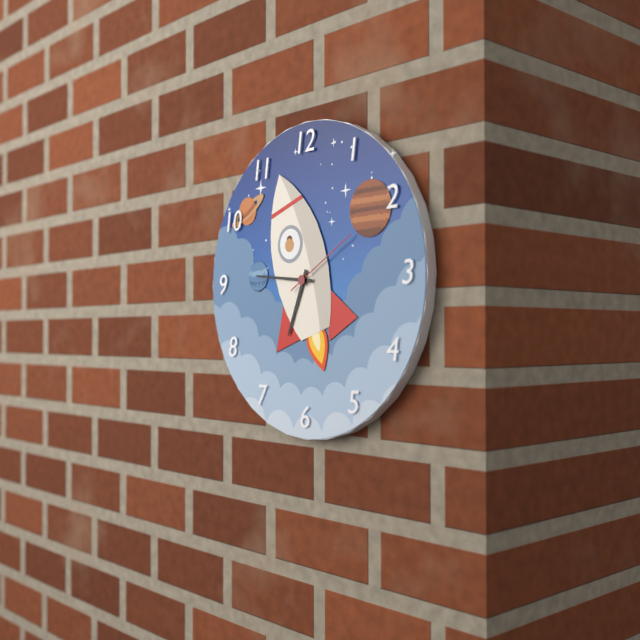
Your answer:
6 h 46 min 10 s
